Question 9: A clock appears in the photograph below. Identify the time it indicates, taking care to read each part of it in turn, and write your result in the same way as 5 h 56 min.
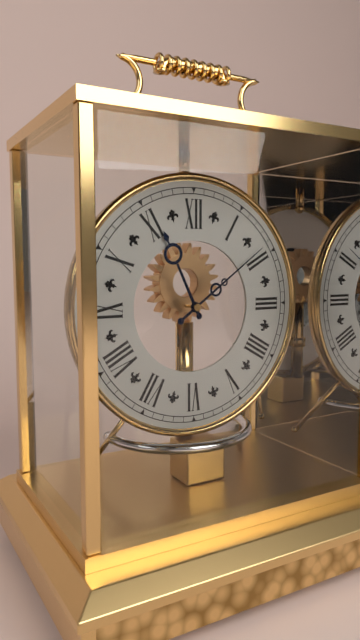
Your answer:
11 h 09 min
